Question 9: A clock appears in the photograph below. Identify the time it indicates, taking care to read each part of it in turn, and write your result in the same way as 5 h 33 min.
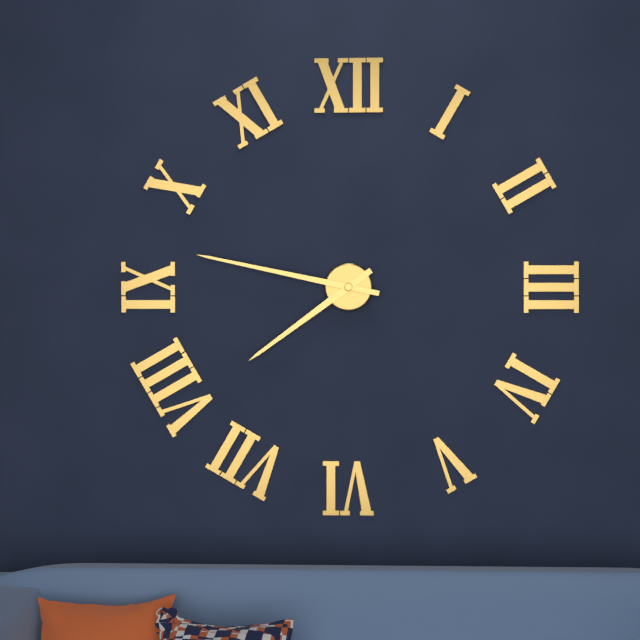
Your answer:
7 h 47 min
